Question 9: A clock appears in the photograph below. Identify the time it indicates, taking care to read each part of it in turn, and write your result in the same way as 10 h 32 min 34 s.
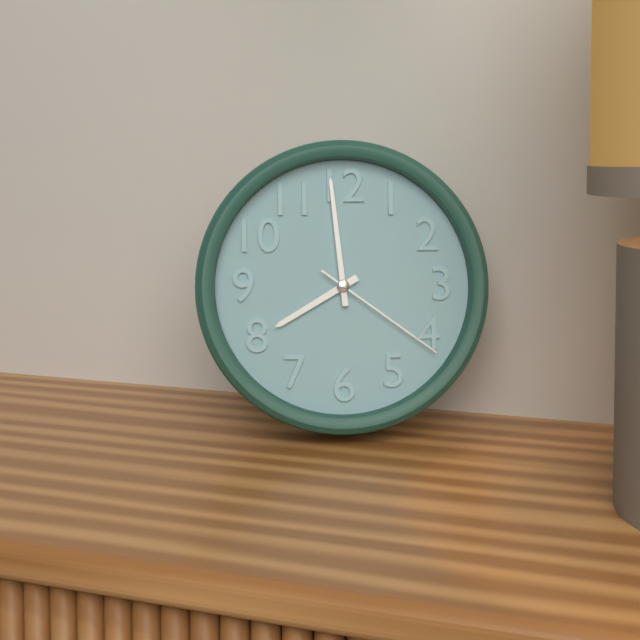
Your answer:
7 h 59 min 21 s
